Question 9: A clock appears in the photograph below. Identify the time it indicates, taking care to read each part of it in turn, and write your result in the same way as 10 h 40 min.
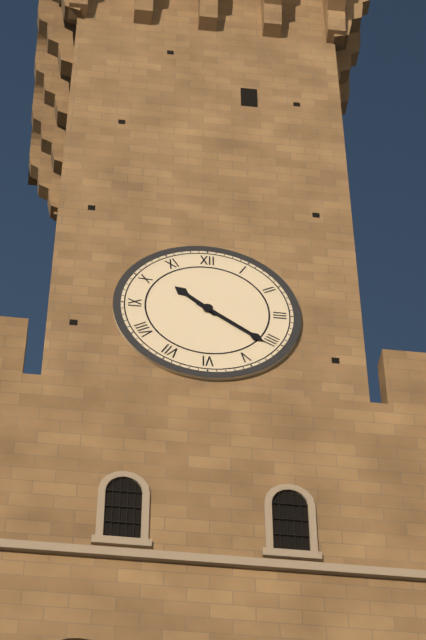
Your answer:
10 h 21 min
